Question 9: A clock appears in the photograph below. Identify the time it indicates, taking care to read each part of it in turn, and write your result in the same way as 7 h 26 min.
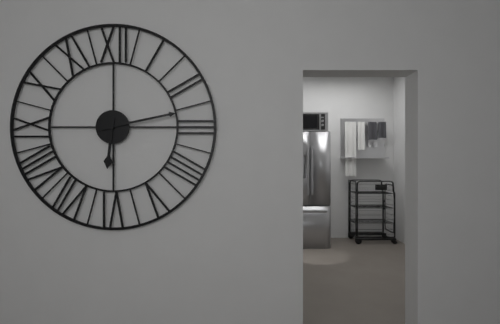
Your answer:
6 h 13 min
